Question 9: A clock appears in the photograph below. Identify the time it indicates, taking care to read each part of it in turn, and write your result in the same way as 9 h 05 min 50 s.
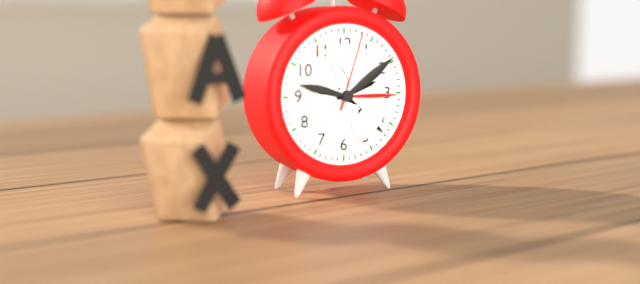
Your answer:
2 h 22 min 03 s
